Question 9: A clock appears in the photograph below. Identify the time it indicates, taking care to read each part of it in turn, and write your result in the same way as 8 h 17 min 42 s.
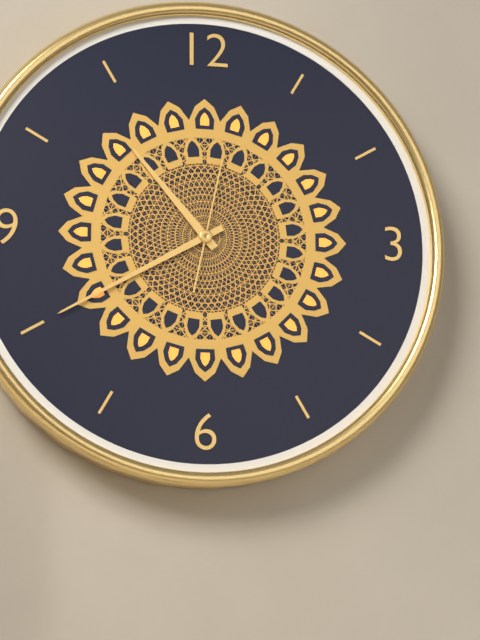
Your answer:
10 h 40 min 02 s
